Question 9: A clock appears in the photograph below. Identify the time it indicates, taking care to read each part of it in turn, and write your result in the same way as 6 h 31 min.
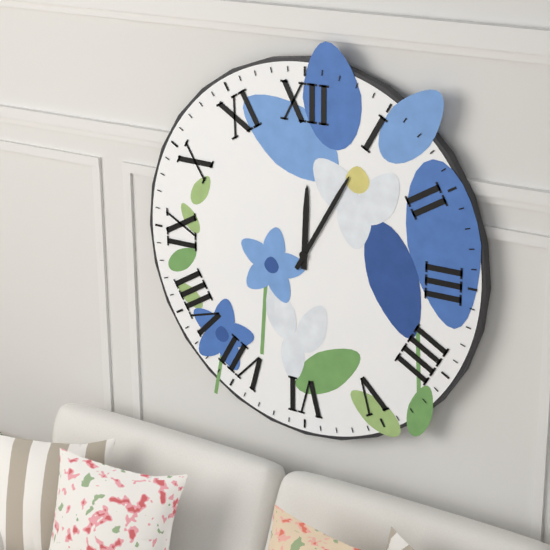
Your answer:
12 h 05 min
